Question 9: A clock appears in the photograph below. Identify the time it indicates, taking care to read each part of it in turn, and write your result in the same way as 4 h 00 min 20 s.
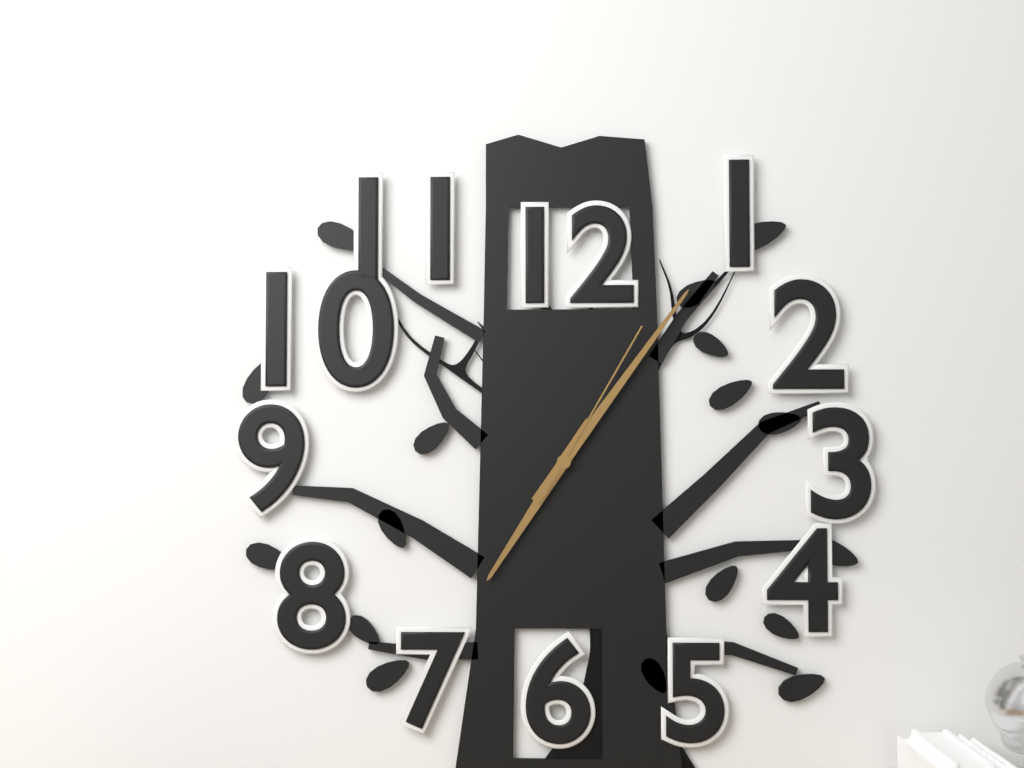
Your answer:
7 h 06 min 05 s
